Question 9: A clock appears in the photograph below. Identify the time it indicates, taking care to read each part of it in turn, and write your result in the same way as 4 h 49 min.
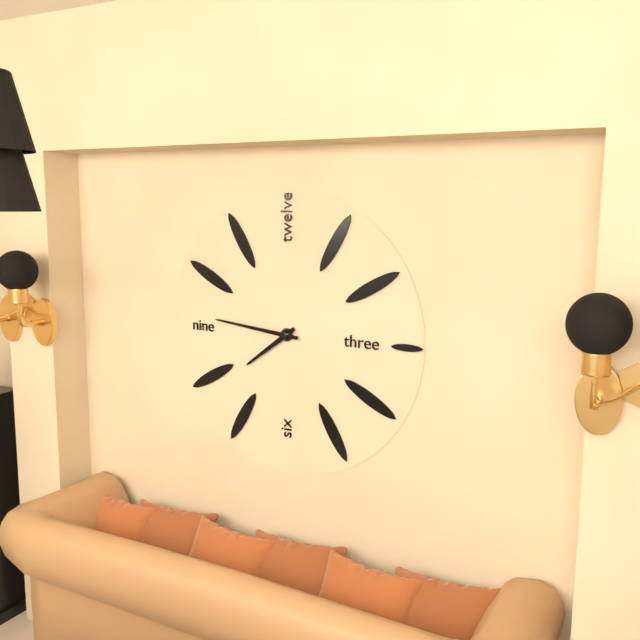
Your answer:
7 h 46 min
